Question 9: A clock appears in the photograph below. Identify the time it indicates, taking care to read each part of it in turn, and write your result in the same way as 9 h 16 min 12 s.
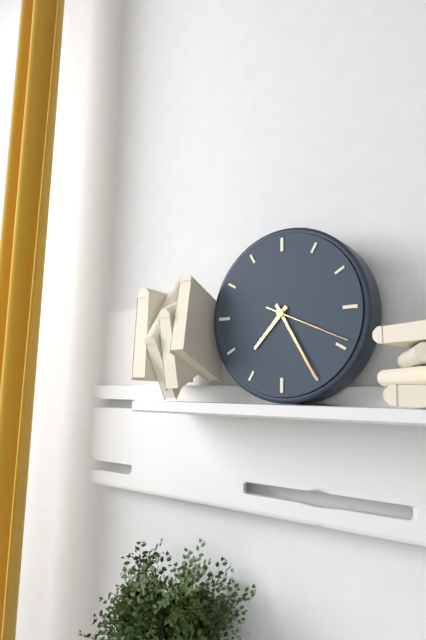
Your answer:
7 h 25 min 19 s
